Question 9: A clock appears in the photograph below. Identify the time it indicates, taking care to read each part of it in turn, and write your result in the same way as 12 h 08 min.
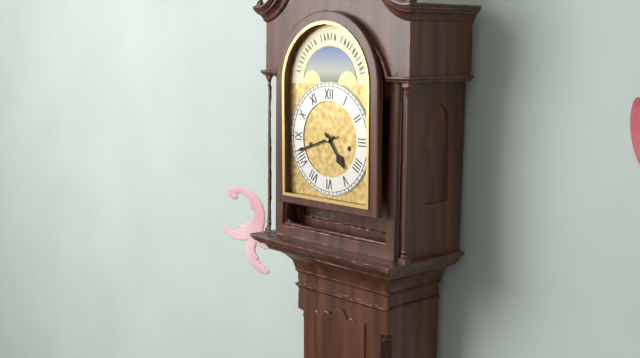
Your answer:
4 h 42 min
